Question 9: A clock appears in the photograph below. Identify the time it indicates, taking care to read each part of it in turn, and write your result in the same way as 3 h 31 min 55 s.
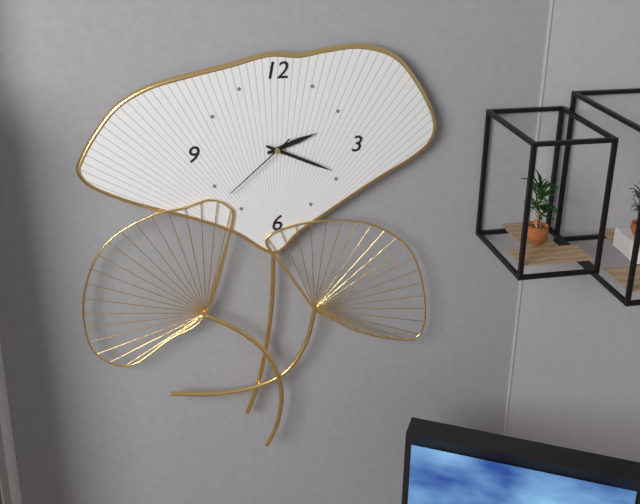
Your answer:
2 h 19 min 38 s
